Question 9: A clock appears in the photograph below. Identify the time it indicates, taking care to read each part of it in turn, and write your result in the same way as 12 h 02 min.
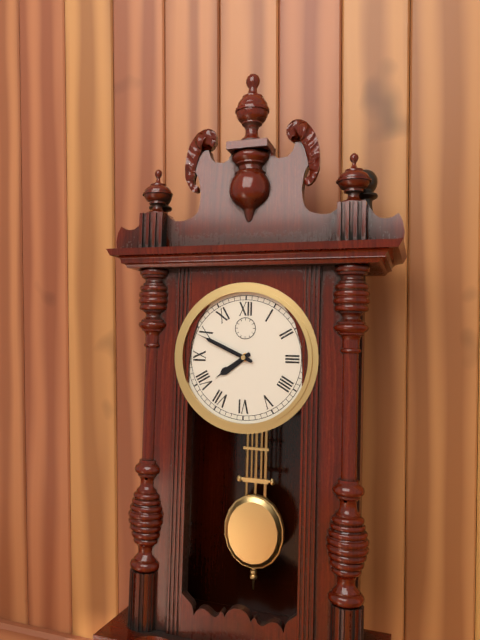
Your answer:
7 h 49 min
